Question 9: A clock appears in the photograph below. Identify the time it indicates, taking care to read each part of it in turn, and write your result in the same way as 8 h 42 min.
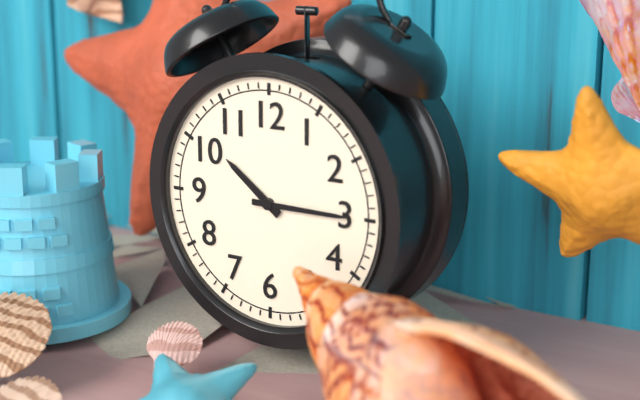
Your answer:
10 h 15 min
